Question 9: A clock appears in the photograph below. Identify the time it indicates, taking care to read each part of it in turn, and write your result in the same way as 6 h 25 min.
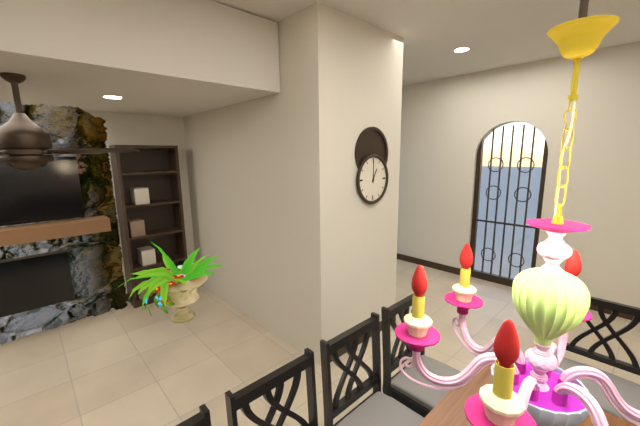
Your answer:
1 h 00 min
